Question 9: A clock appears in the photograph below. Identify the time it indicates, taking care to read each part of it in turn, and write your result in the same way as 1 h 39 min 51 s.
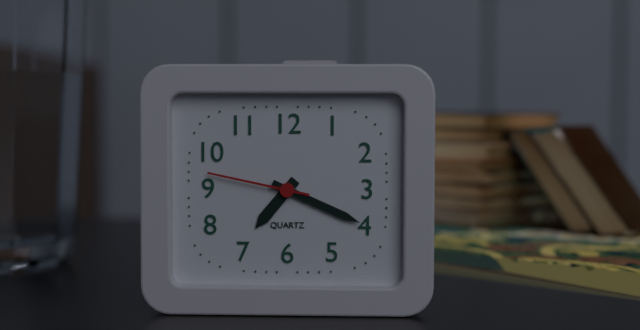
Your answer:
7 h 19 min 47 s
